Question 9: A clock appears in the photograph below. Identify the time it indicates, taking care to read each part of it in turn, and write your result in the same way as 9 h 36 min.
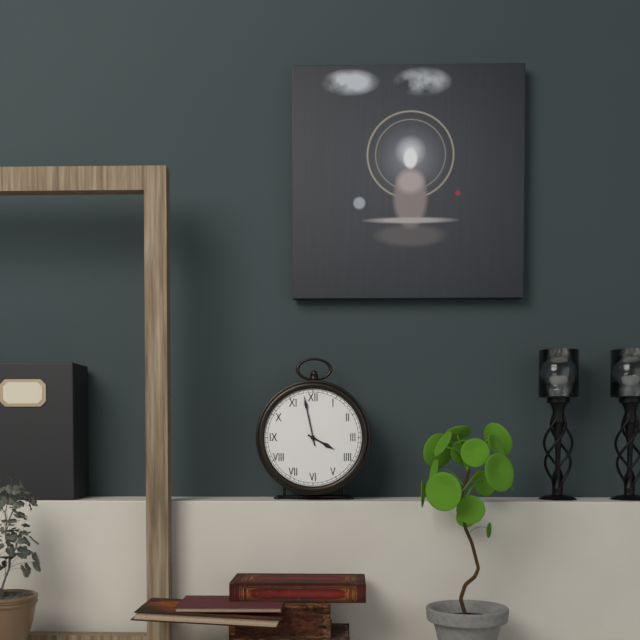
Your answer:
3 h 58 min
